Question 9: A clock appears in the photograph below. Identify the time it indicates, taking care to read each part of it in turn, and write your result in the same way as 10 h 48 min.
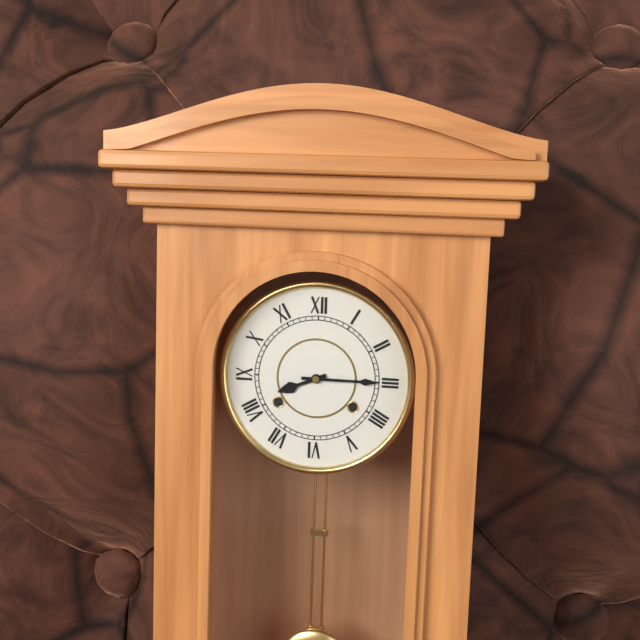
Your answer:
8 h 15 min
